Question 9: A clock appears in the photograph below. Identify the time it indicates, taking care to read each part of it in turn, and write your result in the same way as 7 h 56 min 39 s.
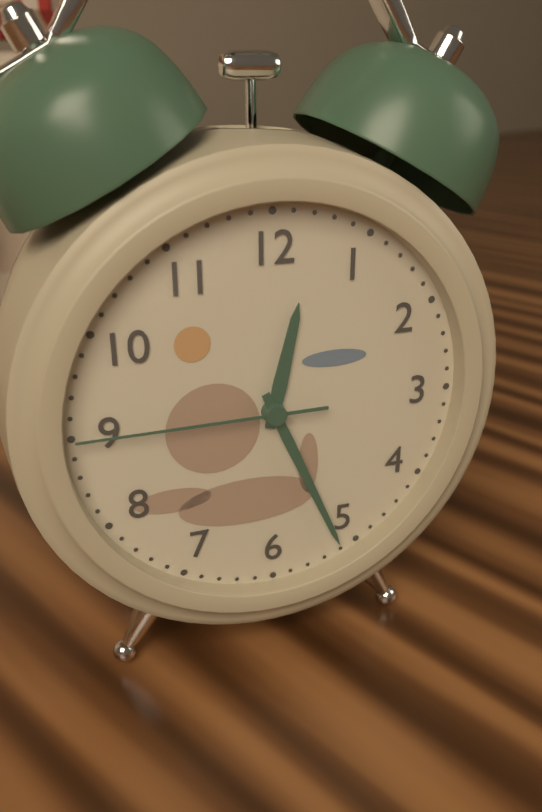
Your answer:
12 h 26 min 45 s
